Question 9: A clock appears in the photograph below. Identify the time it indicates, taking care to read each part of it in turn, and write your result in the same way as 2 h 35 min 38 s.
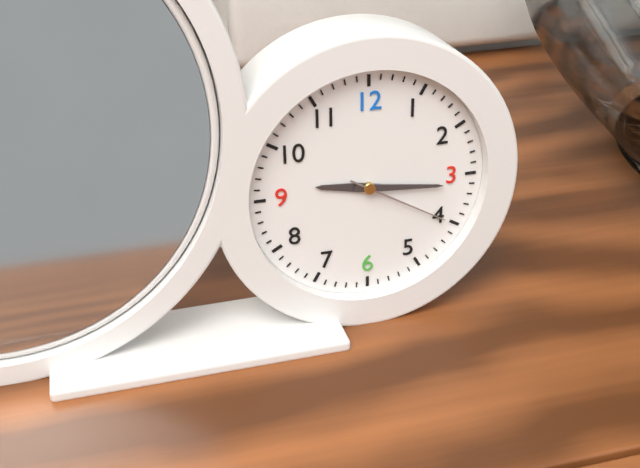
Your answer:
9 h 16 min 20 s
